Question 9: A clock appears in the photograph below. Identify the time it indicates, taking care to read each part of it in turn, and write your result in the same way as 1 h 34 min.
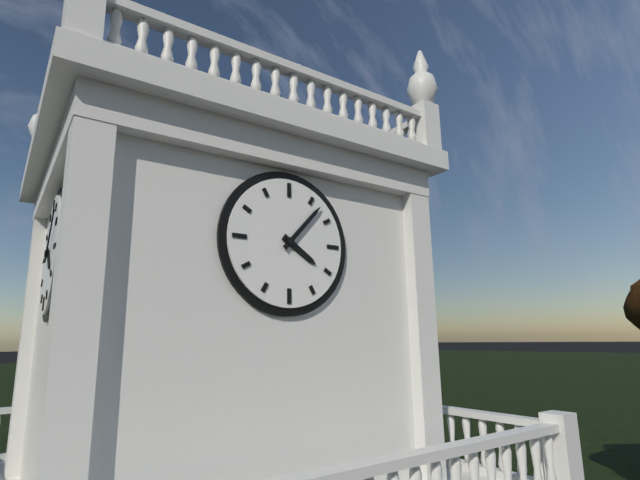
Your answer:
4 h 07 min
